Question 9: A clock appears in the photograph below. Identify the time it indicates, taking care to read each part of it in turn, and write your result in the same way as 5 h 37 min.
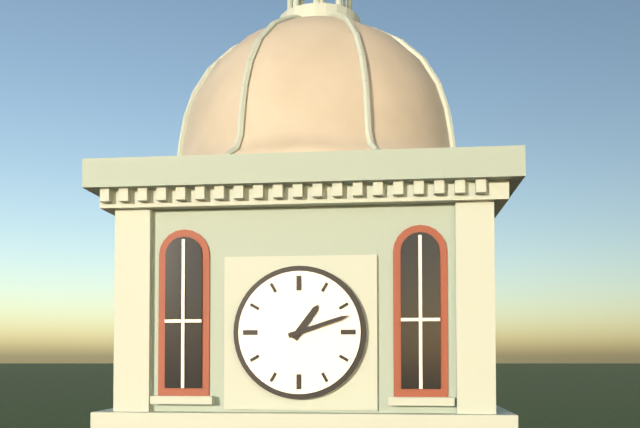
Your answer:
1 h 12 min
